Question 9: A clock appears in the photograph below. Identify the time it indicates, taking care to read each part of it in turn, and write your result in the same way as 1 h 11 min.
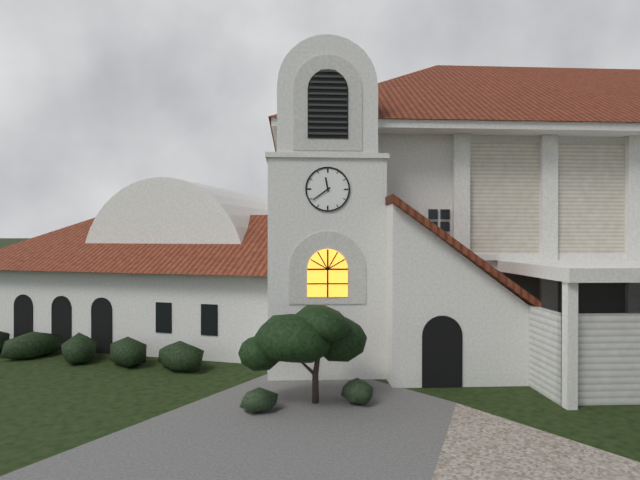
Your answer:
11 h 39 min
